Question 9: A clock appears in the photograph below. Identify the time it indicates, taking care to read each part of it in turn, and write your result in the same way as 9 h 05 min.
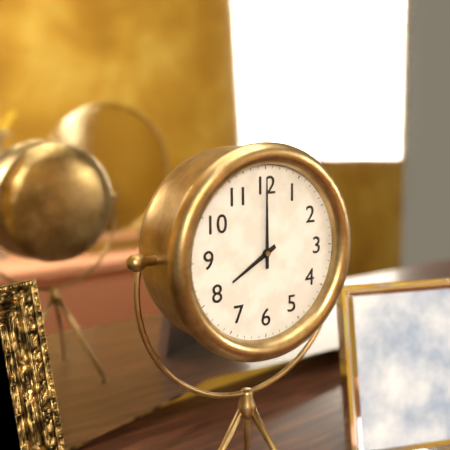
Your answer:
8 h 00 min
